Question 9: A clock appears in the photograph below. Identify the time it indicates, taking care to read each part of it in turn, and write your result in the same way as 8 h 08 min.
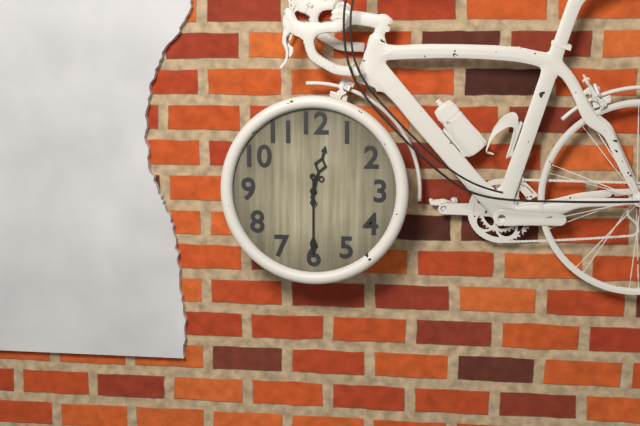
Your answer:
12 h 30 min
